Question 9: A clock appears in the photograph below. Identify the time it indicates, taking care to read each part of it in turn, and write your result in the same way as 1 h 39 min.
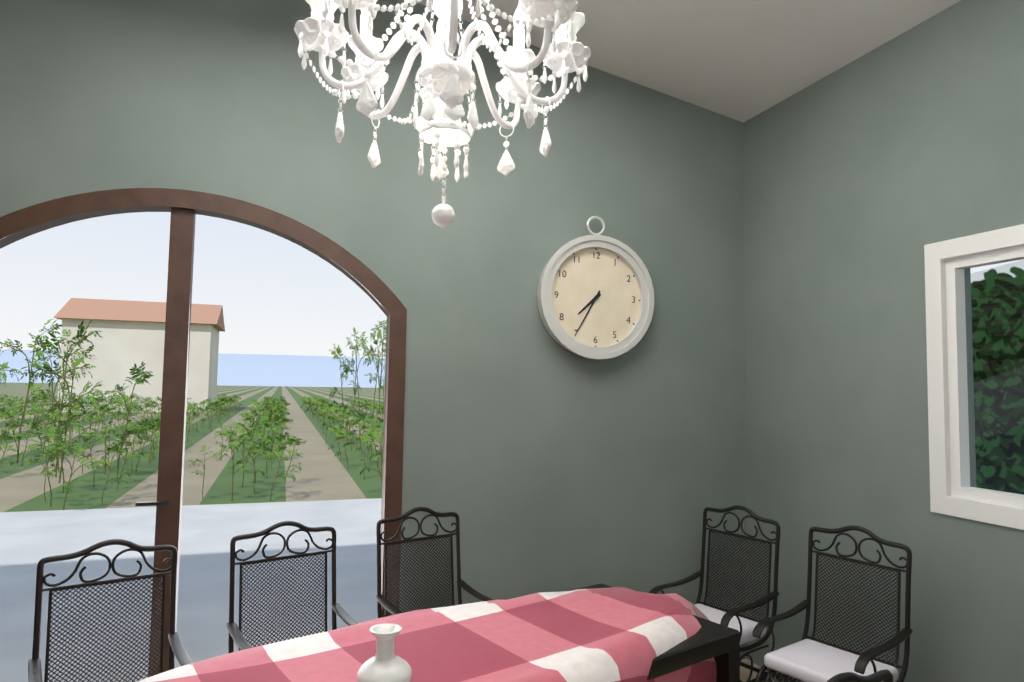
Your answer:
7 h 35 min
